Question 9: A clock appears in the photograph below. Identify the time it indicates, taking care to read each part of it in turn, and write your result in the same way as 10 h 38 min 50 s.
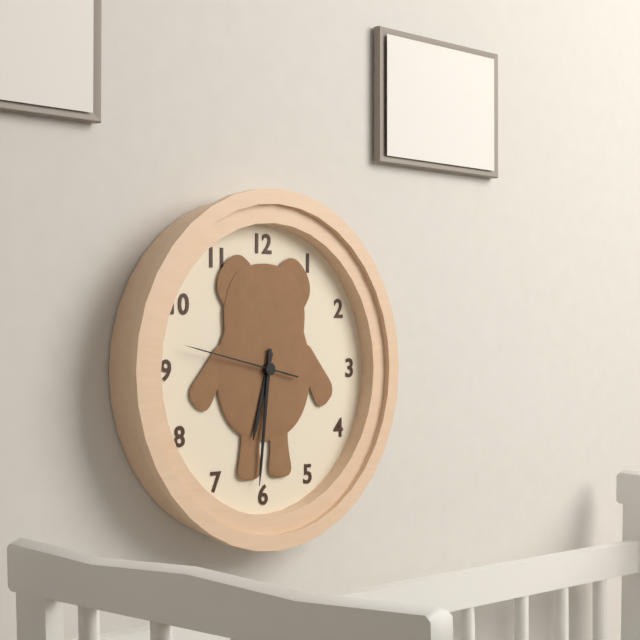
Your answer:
6 h 31 min 47 s
